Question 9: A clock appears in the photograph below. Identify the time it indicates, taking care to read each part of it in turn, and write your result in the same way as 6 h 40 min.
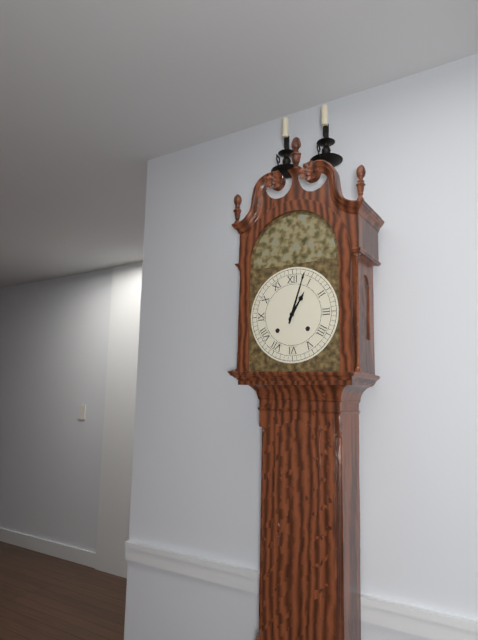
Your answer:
1 h 03 min
